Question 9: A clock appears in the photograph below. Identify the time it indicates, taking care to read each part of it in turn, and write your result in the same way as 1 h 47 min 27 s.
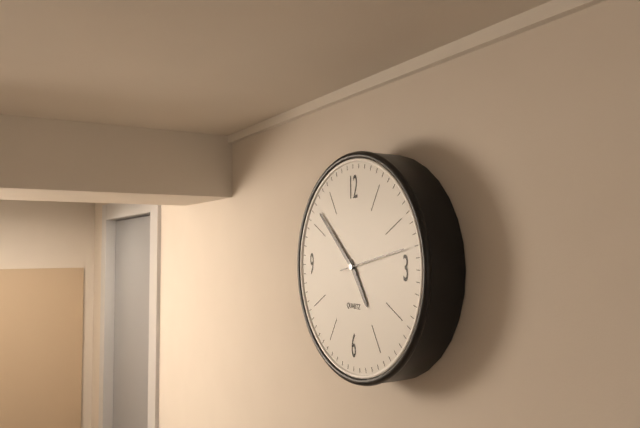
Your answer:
4 h 52 min 13 s
